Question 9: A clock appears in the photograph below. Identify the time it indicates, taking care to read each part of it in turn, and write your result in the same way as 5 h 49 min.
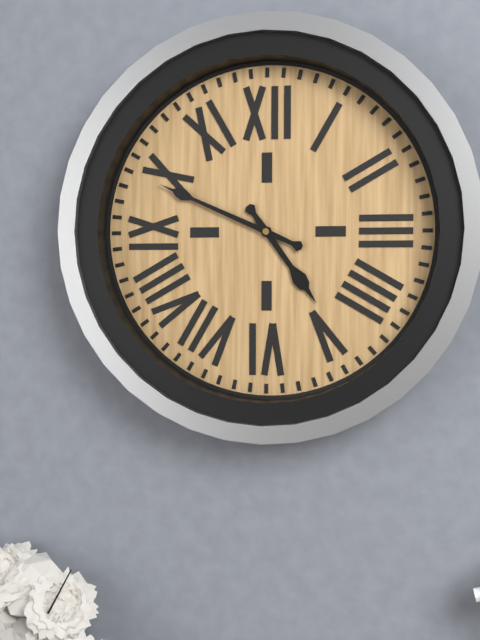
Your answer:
4 h 49 min
